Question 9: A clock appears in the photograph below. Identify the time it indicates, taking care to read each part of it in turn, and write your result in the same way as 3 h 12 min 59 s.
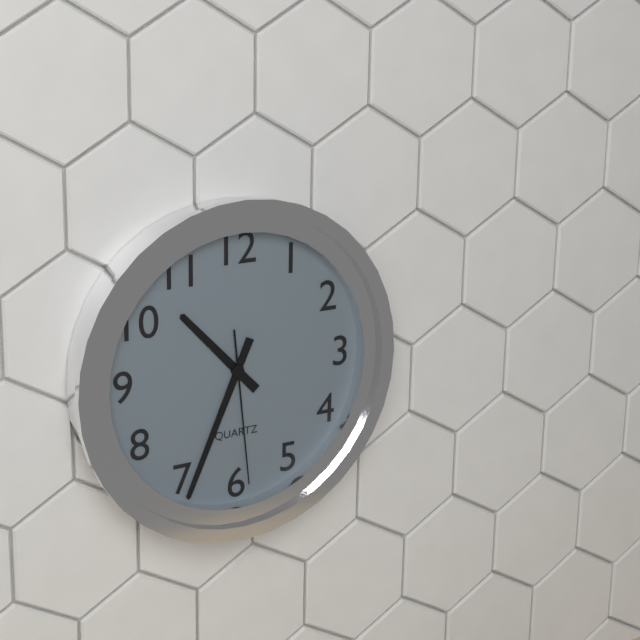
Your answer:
10 h 34 min 29 s
